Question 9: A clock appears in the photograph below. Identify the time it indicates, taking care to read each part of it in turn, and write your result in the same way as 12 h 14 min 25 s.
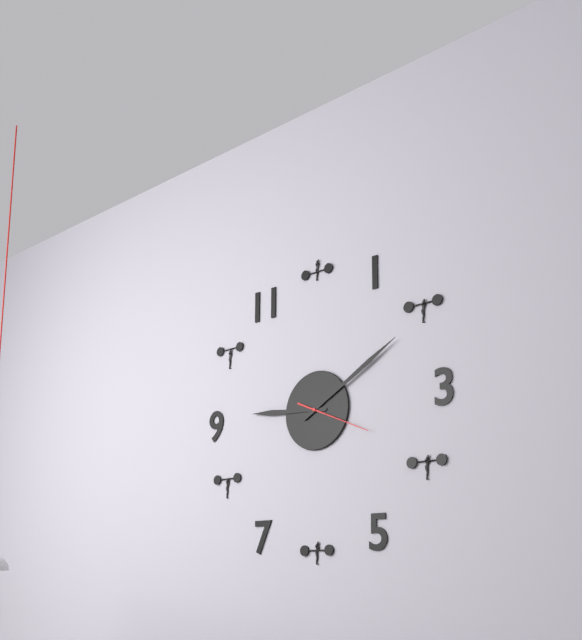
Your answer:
9 h 10 min 19 s
